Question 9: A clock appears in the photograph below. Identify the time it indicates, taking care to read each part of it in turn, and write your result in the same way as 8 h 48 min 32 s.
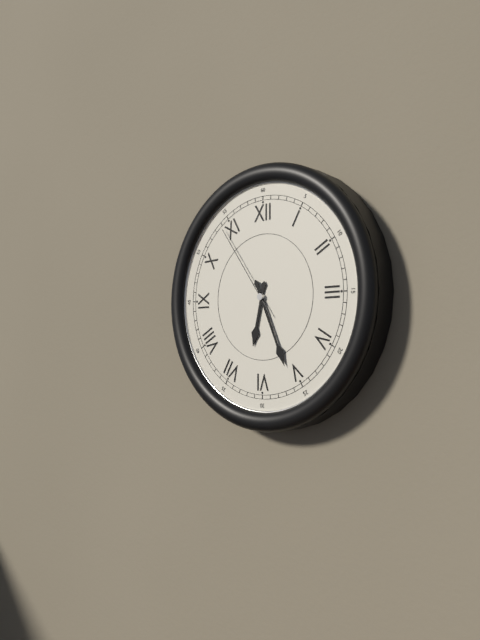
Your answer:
6 h 26 min 54 s
